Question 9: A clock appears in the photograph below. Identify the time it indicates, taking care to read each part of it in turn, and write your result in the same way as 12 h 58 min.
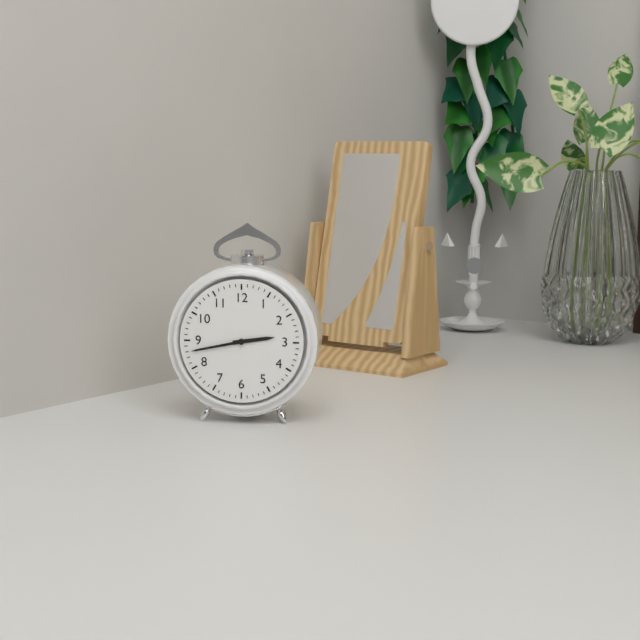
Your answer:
2 h 43 min
